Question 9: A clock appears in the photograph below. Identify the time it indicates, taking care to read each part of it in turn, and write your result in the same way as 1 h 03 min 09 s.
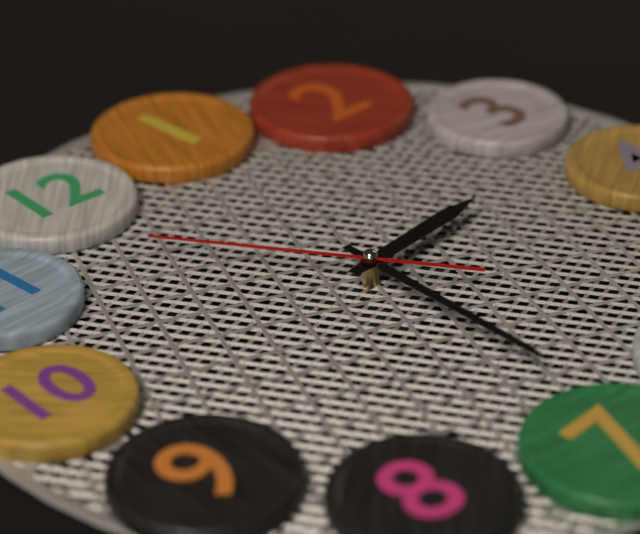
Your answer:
3 h 34 min 58 s
